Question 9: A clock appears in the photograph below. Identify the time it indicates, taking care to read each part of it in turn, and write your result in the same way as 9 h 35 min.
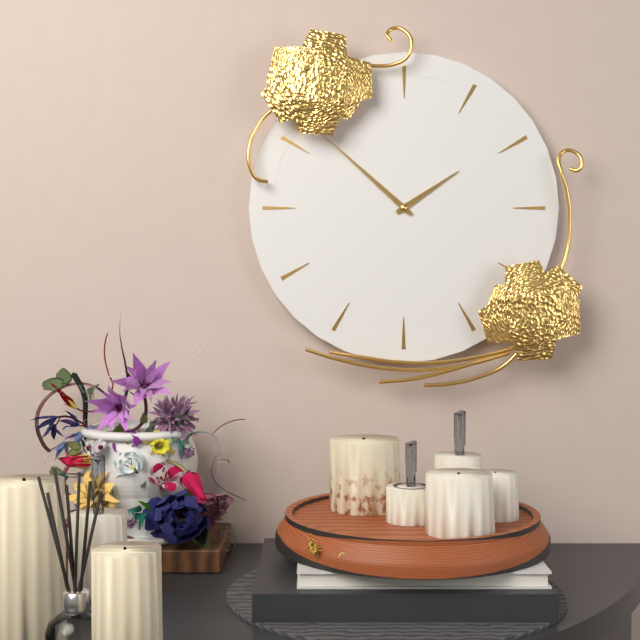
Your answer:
1 h 52 min
